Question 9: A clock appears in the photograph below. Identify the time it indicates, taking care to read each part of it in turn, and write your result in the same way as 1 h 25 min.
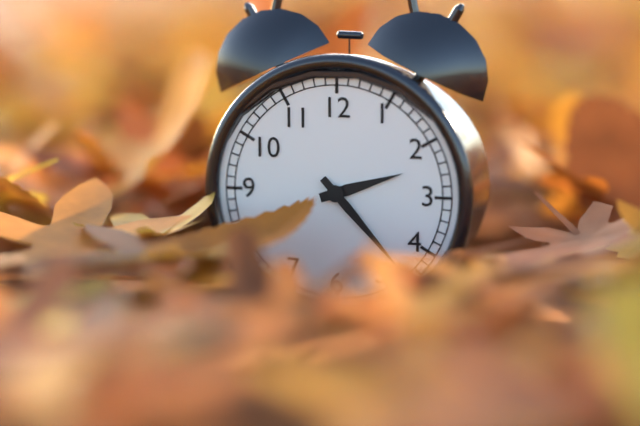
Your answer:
2 h 23 min
